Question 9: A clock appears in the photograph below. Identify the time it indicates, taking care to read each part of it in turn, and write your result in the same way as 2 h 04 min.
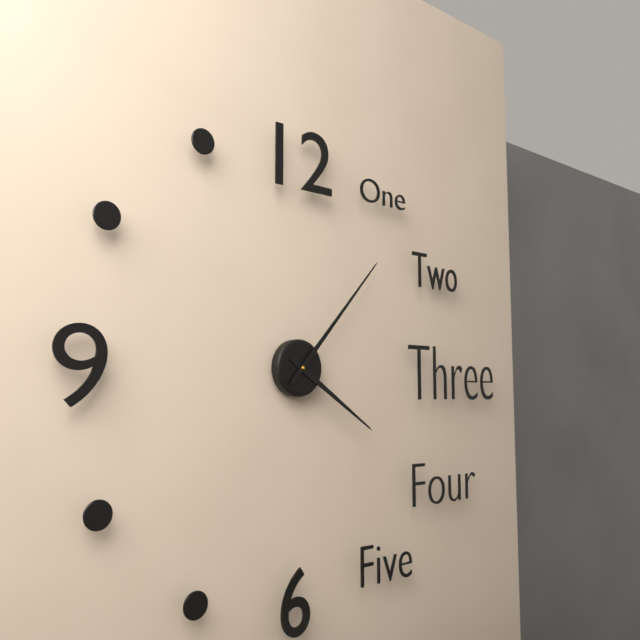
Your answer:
4 h 07 min
